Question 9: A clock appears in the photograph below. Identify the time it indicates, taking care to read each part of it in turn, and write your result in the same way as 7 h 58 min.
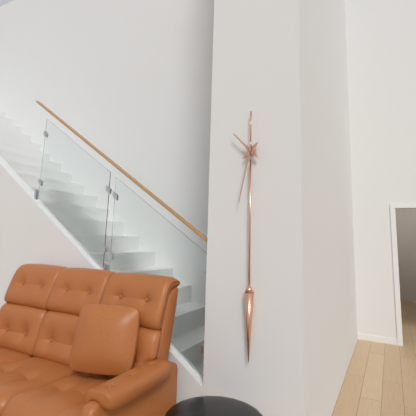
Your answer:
10 h 32 min
